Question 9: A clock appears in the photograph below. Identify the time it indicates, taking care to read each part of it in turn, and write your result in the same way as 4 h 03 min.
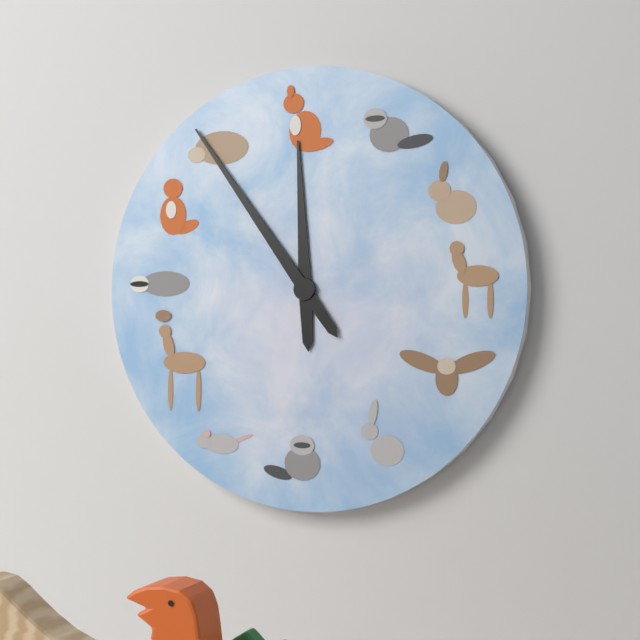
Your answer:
11 h 54 min
